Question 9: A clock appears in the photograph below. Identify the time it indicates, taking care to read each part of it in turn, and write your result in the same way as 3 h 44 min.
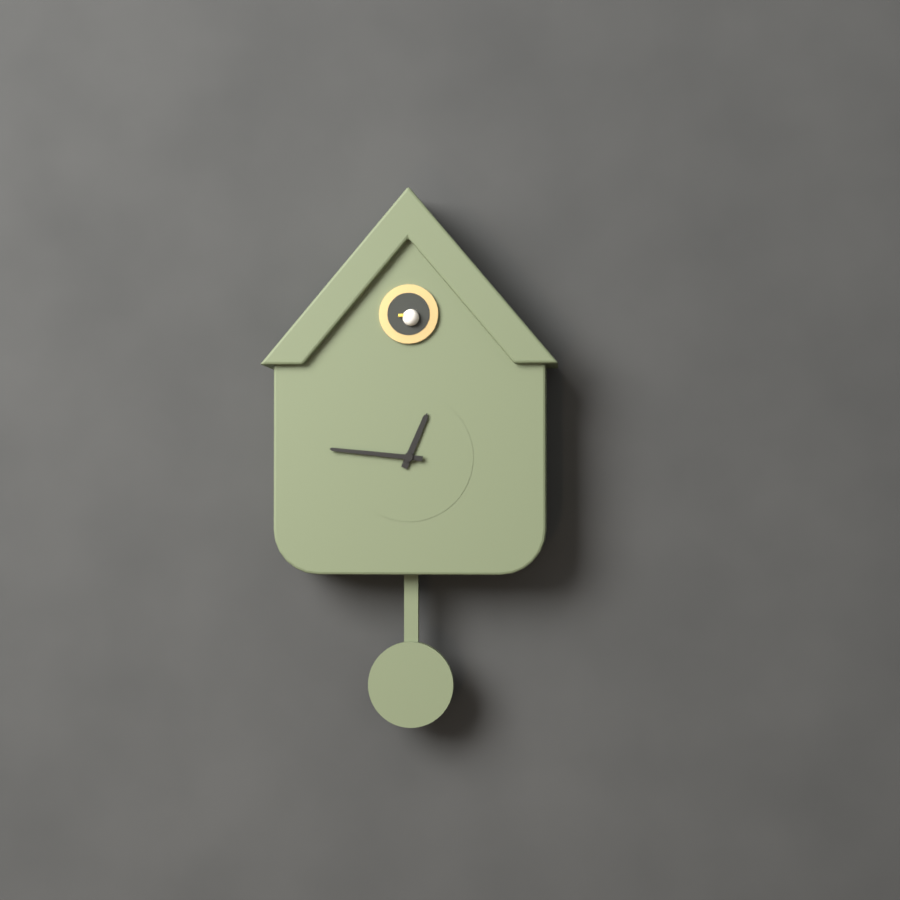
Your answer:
12 h 46 min
